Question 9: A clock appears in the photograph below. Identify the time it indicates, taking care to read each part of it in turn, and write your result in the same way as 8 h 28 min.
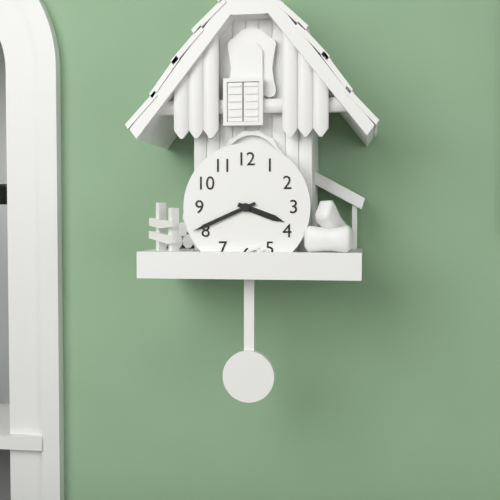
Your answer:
3 h 41 min
